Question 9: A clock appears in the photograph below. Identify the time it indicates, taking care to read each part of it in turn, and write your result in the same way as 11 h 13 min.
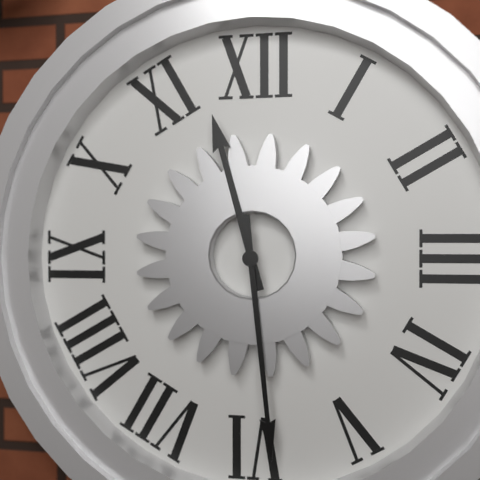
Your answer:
11 h 29 min
